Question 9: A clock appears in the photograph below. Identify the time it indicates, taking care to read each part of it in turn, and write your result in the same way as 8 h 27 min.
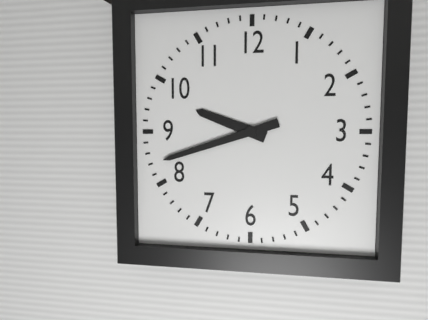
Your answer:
9 h 42 min
